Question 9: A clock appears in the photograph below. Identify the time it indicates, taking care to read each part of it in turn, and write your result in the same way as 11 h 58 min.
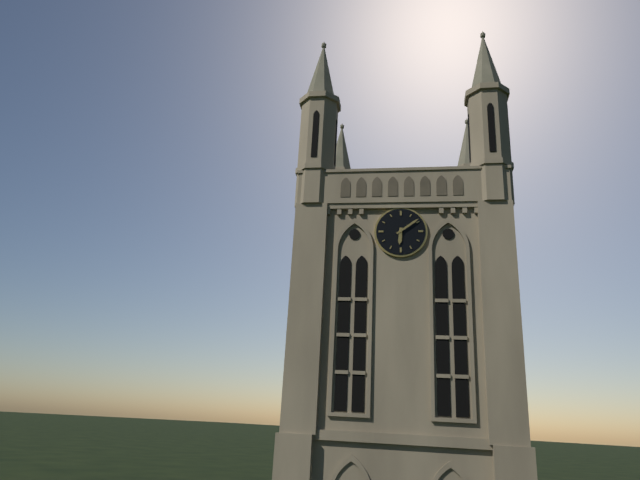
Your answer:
6 h 09 min
